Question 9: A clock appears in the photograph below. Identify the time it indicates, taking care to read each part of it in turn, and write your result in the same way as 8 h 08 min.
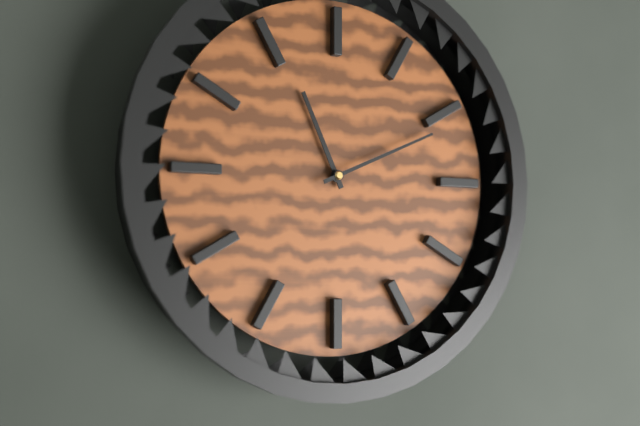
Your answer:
11 h 11 min
